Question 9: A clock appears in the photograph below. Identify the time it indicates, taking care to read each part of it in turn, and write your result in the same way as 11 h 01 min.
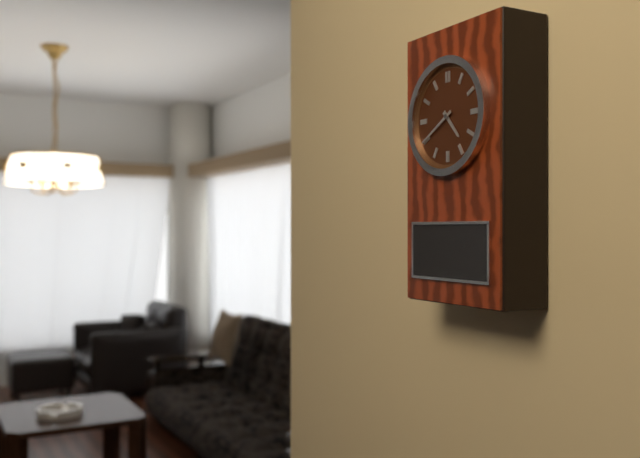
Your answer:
4 h 40 min
